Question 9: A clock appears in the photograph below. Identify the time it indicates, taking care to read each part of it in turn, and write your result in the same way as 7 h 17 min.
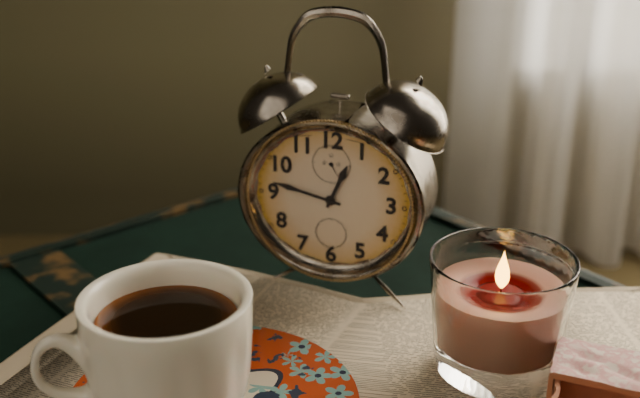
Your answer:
12 h 47 min
